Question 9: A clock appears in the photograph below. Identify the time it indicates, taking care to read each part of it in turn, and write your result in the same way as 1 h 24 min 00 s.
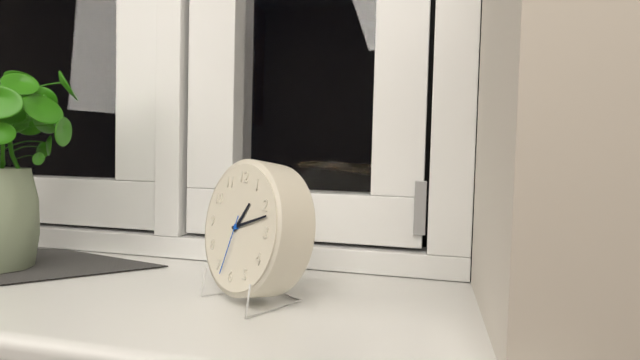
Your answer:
1 h 12 min 33 s
